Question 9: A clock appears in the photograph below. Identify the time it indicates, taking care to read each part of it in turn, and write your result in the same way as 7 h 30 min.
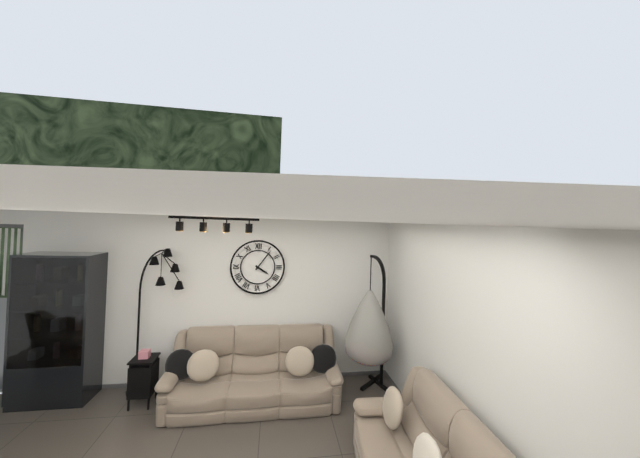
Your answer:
4 h 06 min
